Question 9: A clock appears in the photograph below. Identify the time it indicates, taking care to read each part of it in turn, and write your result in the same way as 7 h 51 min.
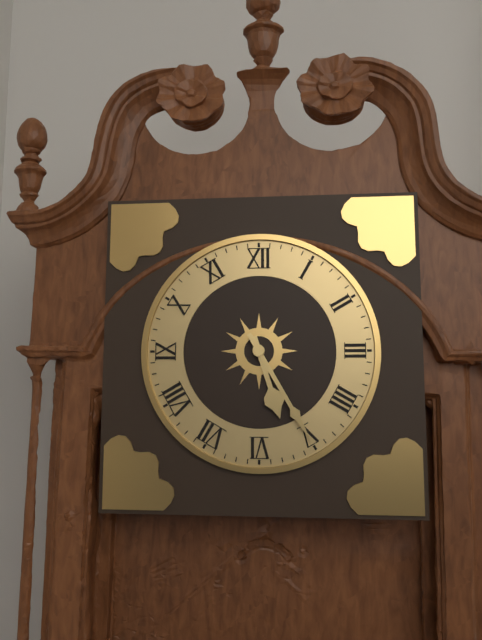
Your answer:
5 h 25 min
